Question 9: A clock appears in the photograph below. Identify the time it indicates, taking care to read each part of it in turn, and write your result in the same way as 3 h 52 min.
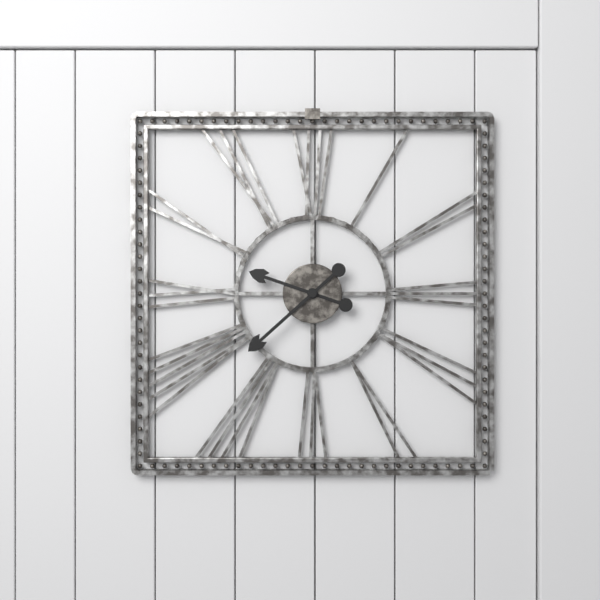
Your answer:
9 h 38 min
